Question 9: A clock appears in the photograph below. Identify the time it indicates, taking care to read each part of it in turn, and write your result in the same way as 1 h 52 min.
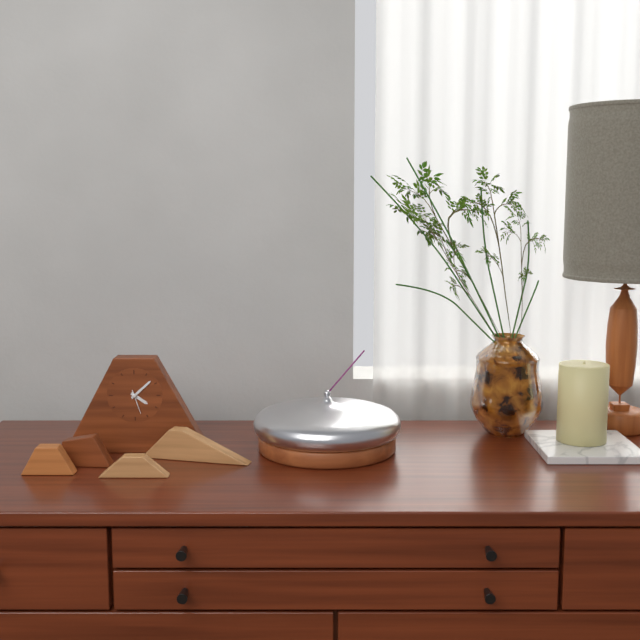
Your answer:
4 h 08 min
